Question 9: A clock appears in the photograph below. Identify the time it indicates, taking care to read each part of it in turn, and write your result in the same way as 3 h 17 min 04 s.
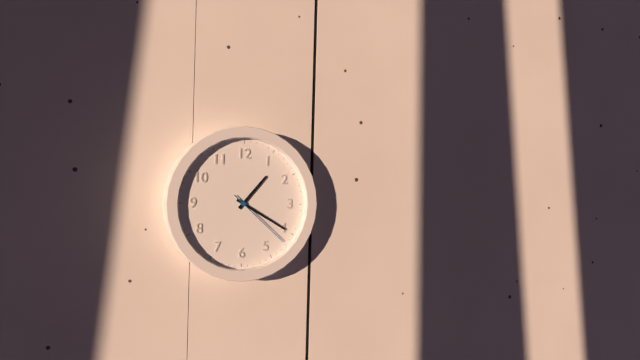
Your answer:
1 h 20 min 22 s
